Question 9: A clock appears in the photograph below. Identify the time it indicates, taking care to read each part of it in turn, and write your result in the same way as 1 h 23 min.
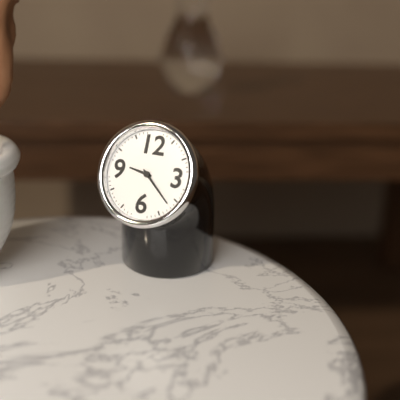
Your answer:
9 h 22 min
